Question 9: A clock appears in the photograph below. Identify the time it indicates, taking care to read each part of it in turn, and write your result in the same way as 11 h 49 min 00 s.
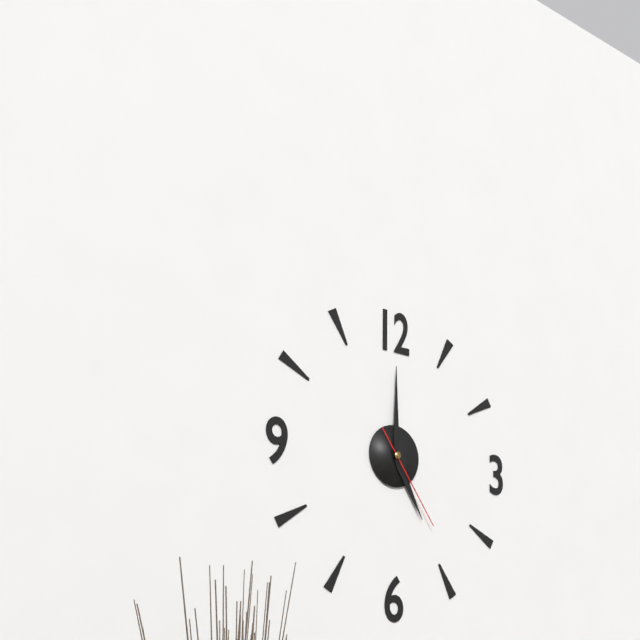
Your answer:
5 h 00 min 24 s
